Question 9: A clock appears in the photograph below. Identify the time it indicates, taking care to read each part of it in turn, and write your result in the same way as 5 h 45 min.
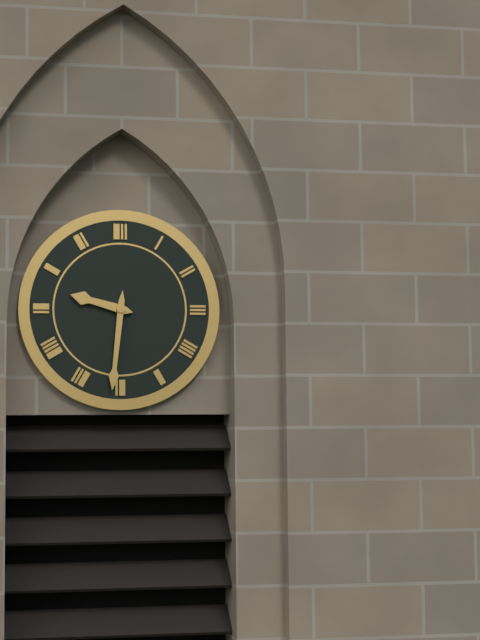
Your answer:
9 h 31 min
